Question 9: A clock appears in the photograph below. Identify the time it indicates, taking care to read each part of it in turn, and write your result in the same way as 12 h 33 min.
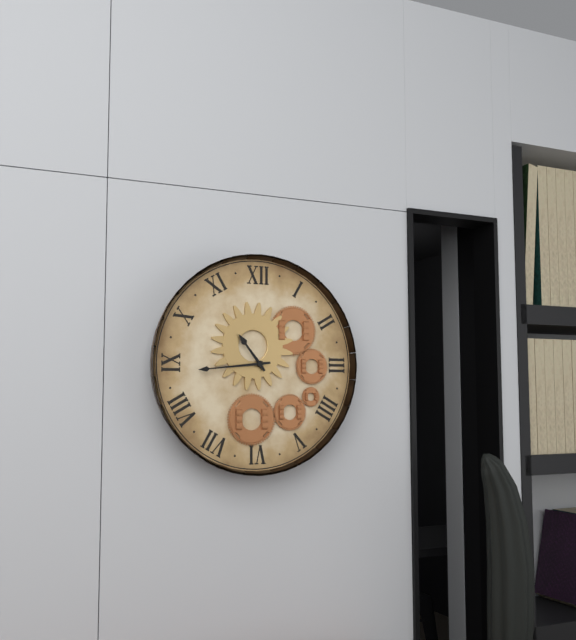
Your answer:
10 h 44 min
